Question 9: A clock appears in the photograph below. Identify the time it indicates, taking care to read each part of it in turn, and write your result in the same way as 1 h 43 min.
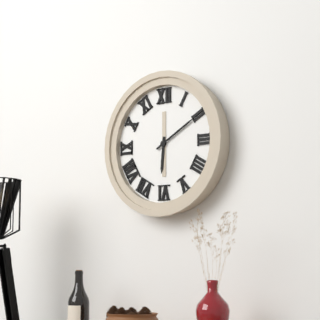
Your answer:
6 h 10 min
